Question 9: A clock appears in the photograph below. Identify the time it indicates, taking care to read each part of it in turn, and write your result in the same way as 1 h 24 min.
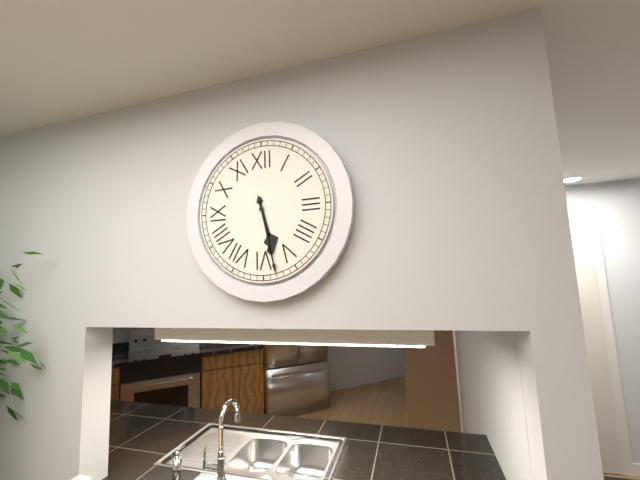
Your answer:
5 h 28 min
